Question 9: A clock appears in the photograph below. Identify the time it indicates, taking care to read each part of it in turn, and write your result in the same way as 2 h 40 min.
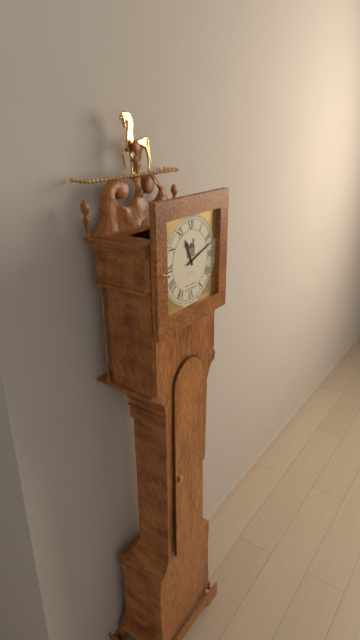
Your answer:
11 h 12 min
